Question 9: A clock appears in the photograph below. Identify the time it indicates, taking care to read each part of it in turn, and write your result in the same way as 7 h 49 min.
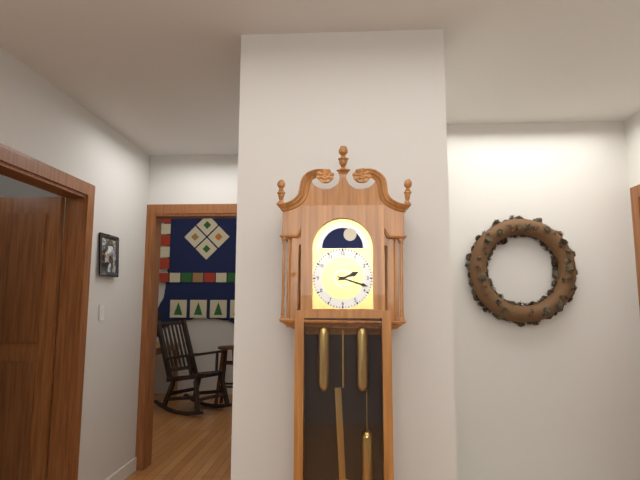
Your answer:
2 h 18 min
